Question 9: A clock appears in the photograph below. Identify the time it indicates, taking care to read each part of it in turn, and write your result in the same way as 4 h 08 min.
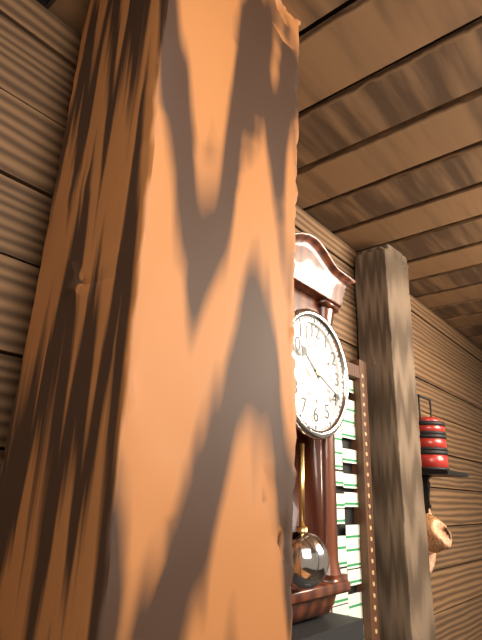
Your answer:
10 h 19 min
